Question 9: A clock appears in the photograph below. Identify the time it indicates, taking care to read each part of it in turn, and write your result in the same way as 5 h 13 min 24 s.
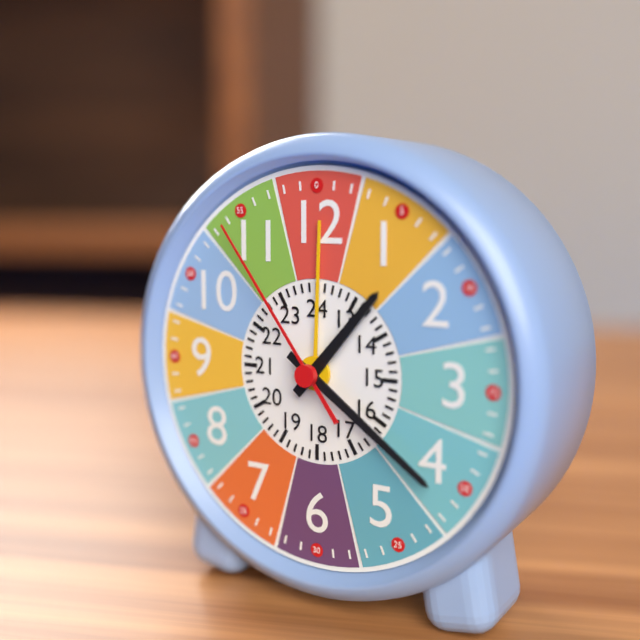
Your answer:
1 h 21 min 54 s
